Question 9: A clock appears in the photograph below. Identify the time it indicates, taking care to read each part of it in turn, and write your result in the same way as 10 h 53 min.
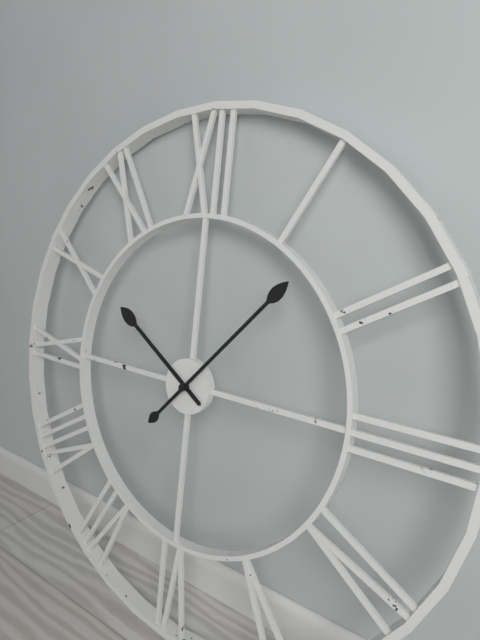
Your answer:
10 h 07 min
